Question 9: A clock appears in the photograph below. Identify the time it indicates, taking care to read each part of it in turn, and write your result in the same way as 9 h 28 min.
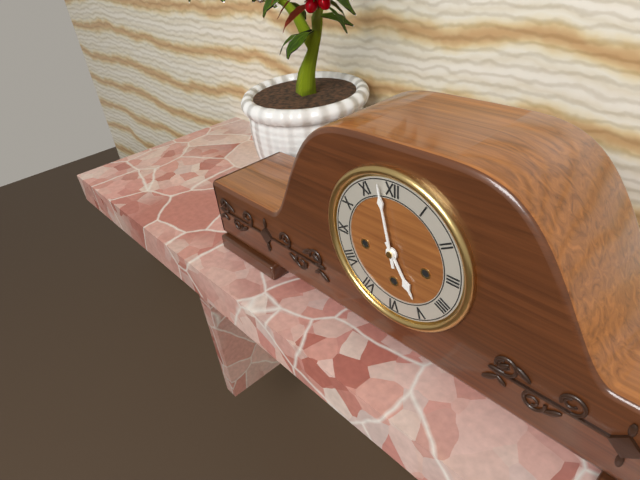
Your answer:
4 h 58 min
